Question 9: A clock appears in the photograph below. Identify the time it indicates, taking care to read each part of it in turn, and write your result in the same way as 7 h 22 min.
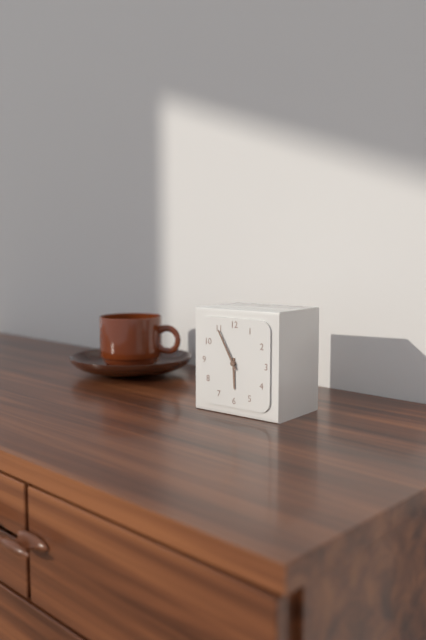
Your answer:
5 h 55 min
